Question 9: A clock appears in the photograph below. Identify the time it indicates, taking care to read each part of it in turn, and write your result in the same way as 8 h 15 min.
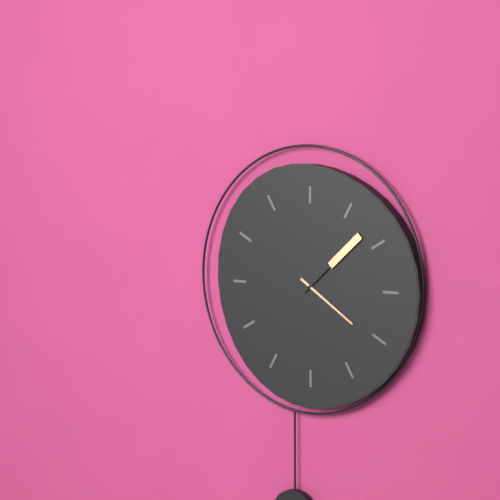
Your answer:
4 h 08 min
